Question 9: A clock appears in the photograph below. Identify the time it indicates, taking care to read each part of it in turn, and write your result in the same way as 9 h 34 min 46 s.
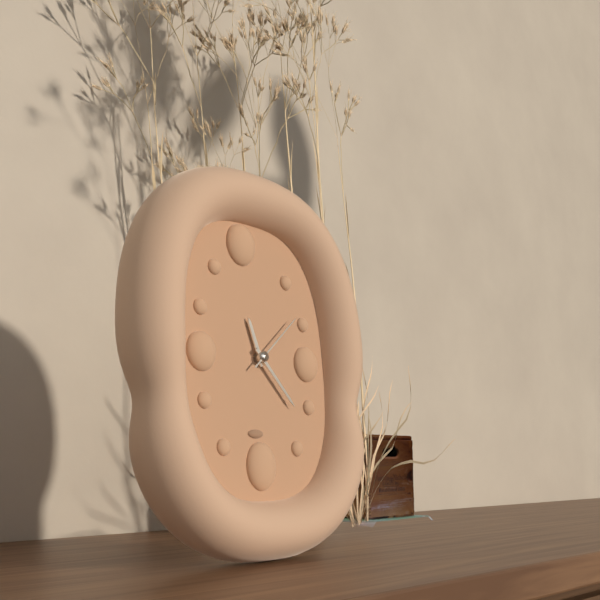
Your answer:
11 h 23 min 08 s
